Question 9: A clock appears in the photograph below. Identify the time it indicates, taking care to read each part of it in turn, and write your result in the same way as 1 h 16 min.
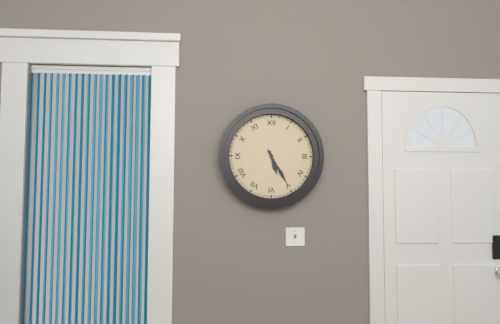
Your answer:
5 h 25 min
